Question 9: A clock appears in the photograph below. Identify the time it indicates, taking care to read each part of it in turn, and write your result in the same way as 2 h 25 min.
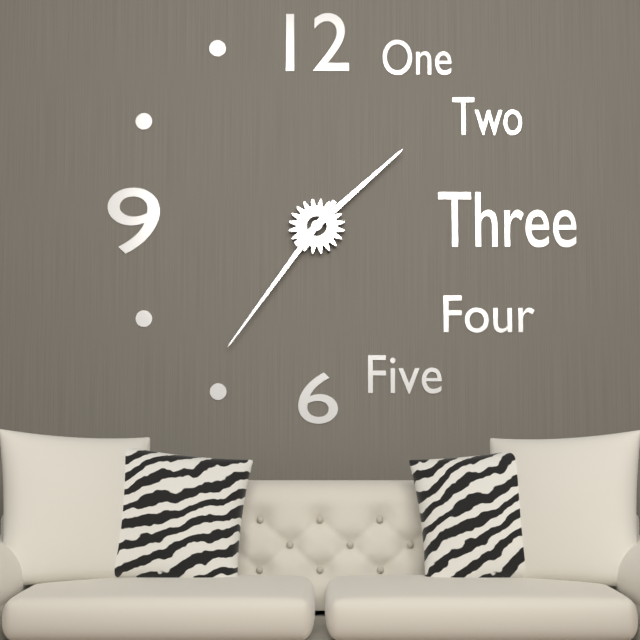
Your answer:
1 h 36 min
